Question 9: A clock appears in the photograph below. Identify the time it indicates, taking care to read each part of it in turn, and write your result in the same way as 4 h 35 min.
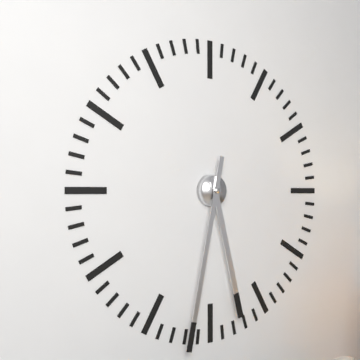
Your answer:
5 h 32 min
